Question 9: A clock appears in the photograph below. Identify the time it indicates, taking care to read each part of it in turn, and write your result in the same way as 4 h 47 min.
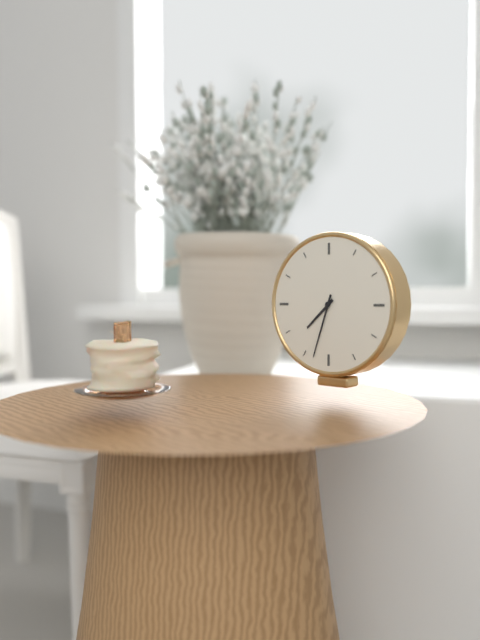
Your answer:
7 h 33 min
